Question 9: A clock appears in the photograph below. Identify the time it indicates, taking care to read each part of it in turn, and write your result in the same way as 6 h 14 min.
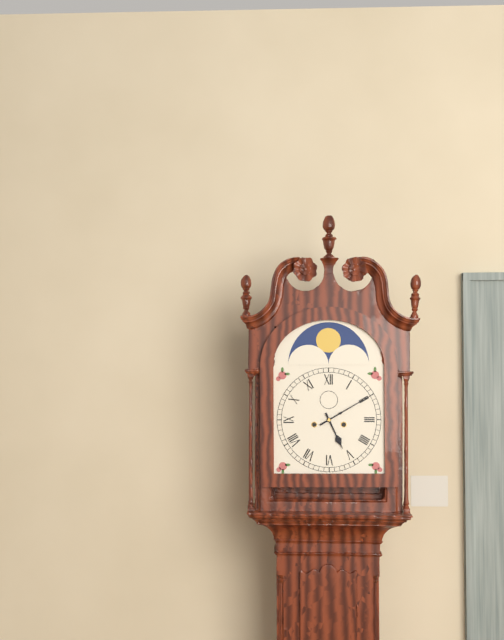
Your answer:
5 h 10 min
